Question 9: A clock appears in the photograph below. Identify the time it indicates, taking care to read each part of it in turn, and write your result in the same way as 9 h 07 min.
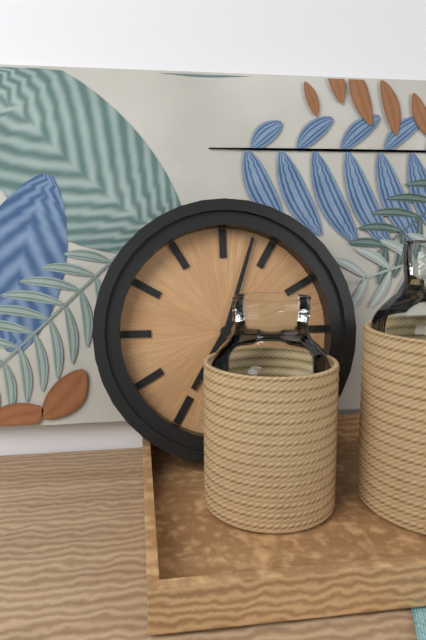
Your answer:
7 h 03 min
